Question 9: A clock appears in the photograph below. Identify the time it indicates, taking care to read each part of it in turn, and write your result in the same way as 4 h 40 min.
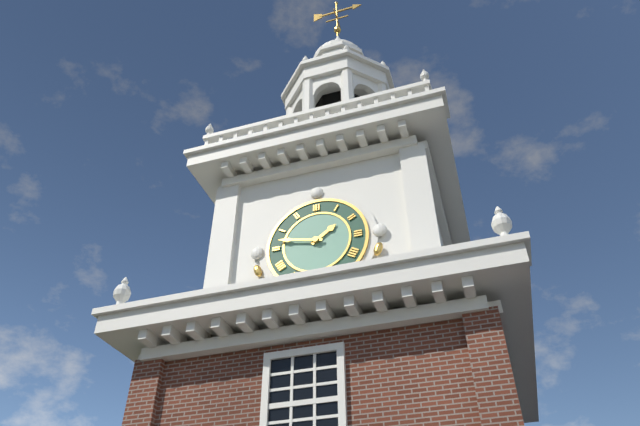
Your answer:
1 h 47 min
